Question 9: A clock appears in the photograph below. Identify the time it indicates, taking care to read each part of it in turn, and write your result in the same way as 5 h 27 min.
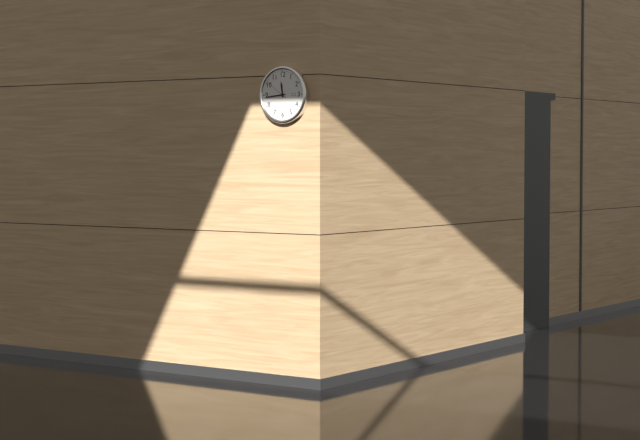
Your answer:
11 h 44 min
